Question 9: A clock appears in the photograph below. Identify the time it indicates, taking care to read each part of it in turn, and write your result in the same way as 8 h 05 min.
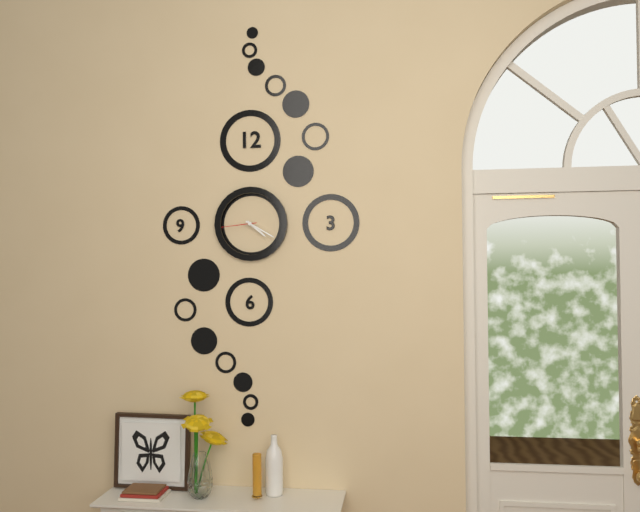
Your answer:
4 h 20 min
